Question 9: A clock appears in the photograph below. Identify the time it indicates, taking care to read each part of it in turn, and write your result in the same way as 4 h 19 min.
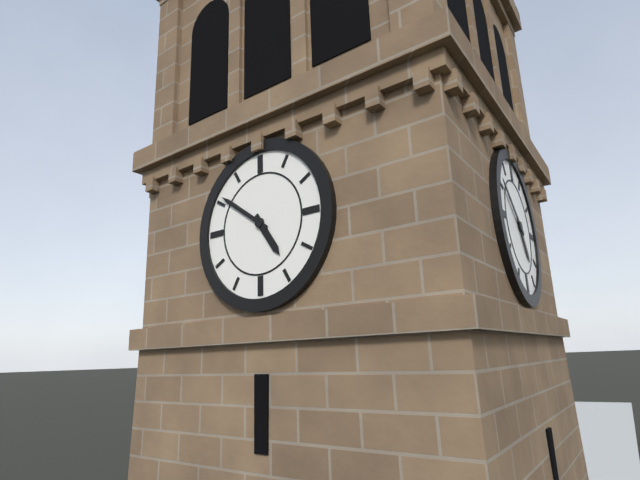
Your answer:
4 h 51 min
